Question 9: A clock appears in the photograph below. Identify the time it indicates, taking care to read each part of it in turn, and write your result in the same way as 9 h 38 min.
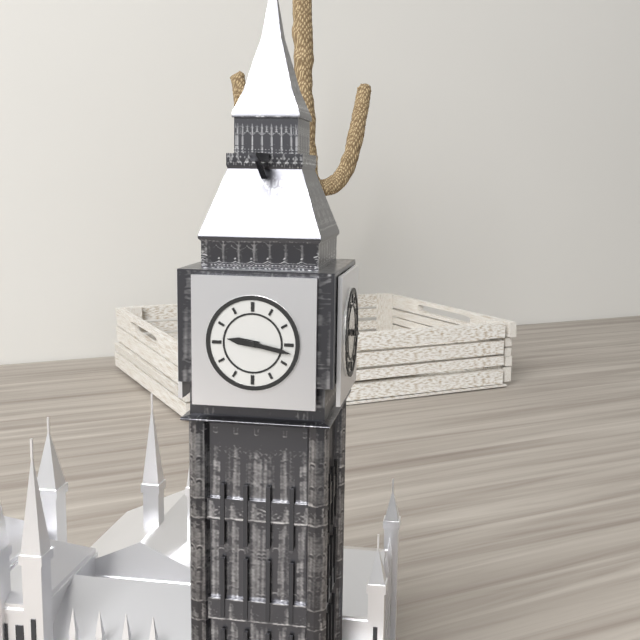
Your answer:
9 h 17 min
